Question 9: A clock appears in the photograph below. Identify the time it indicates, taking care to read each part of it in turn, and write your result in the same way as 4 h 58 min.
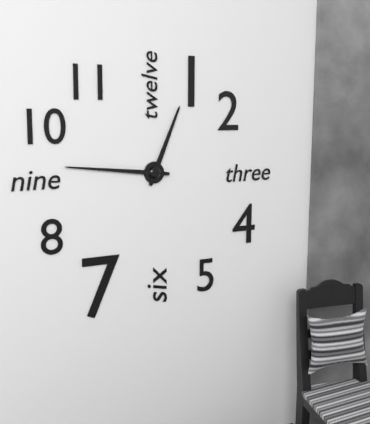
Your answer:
12 h 46 min
